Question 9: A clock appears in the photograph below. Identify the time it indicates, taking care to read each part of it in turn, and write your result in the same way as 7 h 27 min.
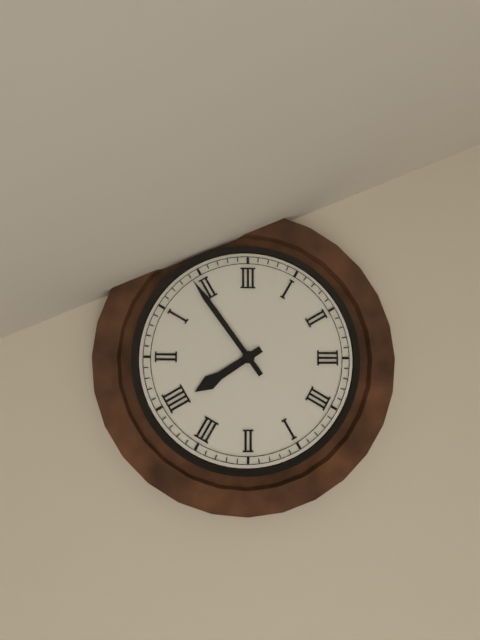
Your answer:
7 h 54 min
